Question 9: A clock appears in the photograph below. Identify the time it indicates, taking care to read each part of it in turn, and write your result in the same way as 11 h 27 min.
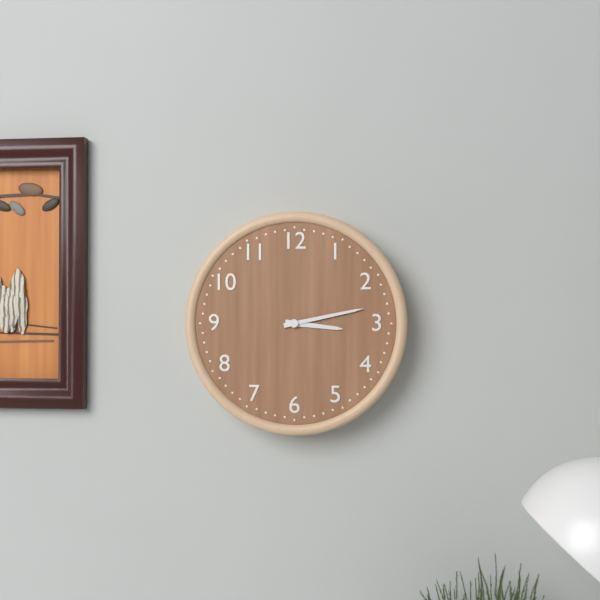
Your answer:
3 h 13 min
